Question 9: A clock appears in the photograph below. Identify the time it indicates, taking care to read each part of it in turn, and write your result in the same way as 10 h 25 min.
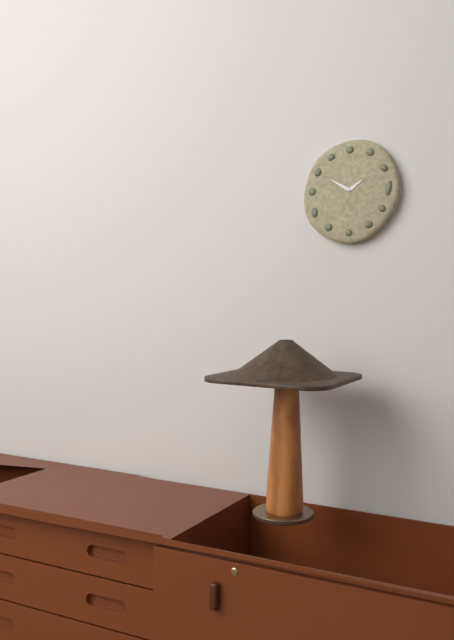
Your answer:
1 h 50 min
